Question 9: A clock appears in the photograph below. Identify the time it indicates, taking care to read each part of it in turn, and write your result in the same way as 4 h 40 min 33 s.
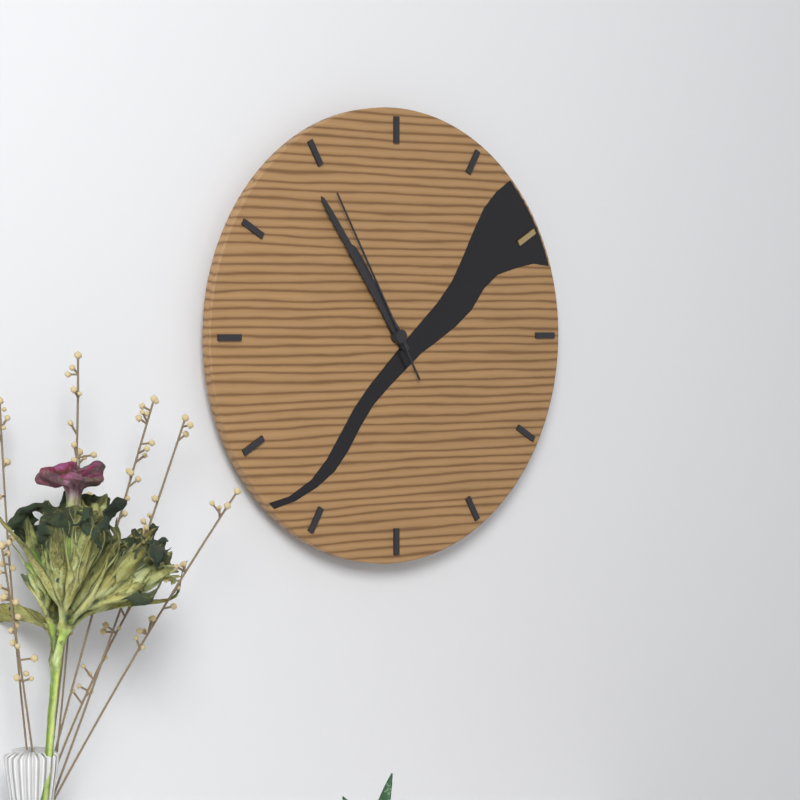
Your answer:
10 h 54 min 55 s
